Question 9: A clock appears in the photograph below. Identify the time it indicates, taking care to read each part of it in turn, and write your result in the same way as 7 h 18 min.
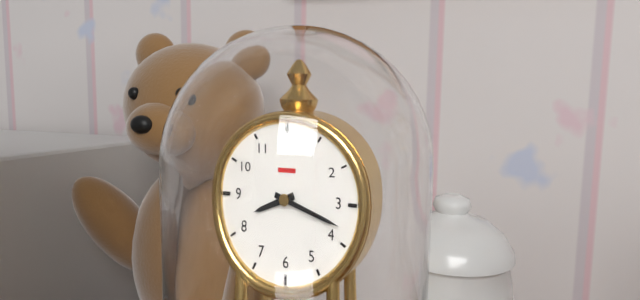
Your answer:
8 h 18 min
